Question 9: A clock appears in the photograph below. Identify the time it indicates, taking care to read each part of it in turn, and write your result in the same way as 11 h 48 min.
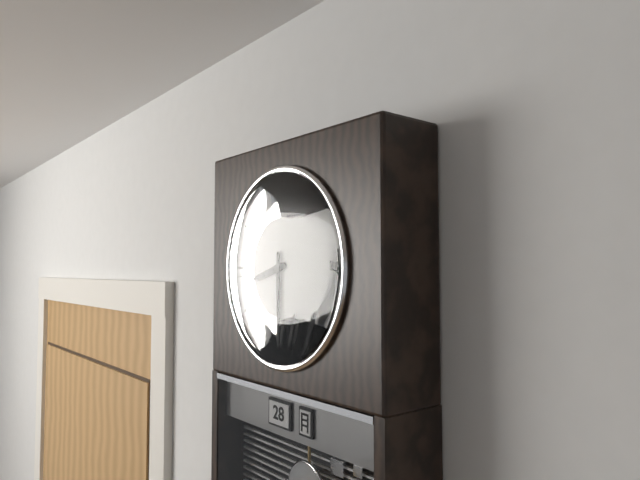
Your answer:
8 h 30 min
